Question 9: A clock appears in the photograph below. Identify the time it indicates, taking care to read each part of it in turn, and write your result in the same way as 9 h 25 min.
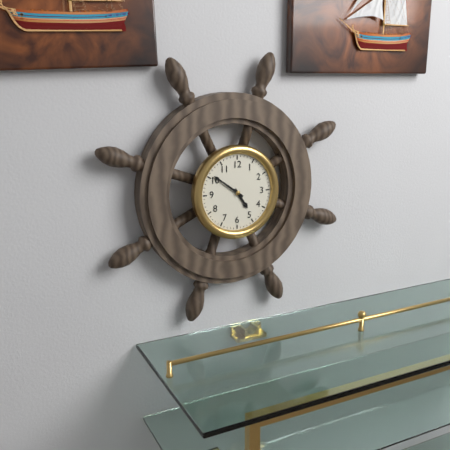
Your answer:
4 h 51 min
